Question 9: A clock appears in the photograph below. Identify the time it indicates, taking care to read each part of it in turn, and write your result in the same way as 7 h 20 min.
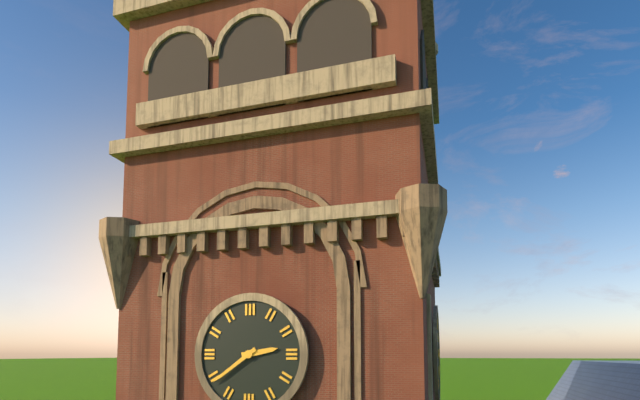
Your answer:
2 h 39 min
